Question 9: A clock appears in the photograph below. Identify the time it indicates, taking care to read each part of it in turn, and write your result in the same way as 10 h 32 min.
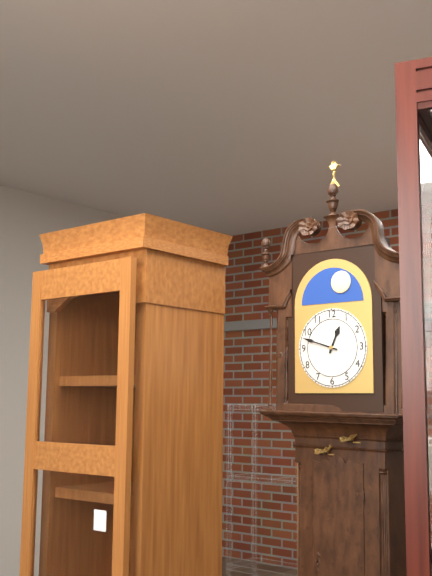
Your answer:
12 h 48 min
